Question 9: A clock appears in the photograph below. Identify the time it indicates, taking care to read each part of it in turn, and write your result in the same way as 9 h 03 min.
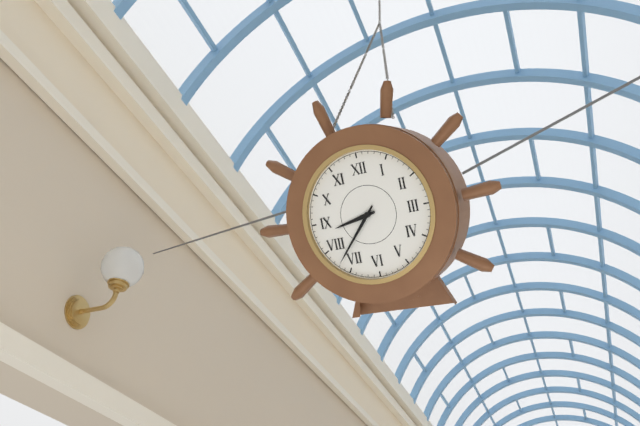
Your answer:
8 h 37 min
